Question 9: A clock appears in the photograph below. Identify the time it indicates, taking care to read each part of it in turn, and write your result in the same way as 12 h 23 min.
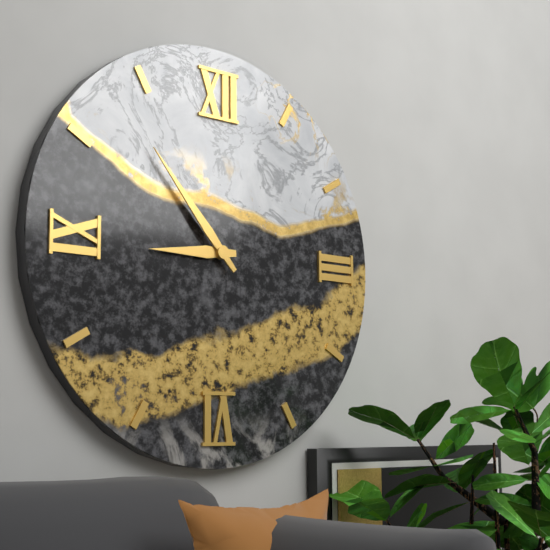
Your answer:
8 h 53 min
